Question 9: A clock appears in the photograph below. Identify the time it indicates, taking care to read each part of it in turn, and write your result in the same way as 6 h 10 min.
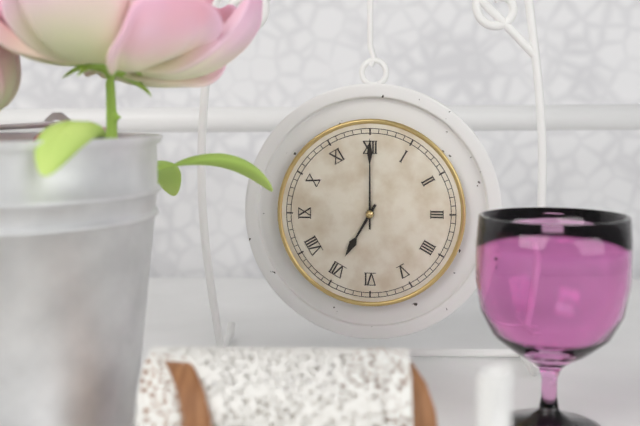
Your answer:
7 h 00 min
